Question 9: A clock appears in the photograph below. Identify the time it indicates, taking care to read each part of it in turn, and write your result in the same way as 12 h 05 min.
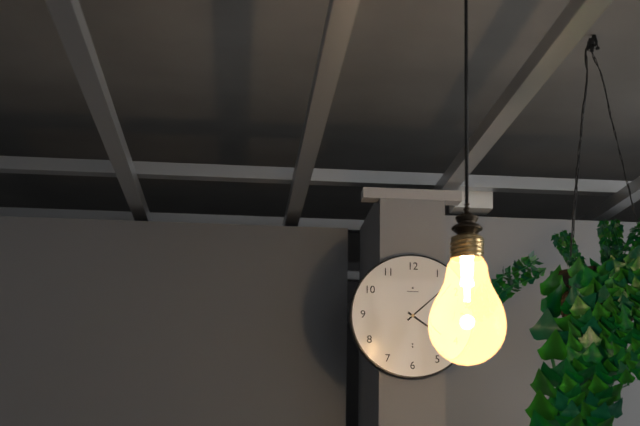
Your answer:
4 h 08 min
